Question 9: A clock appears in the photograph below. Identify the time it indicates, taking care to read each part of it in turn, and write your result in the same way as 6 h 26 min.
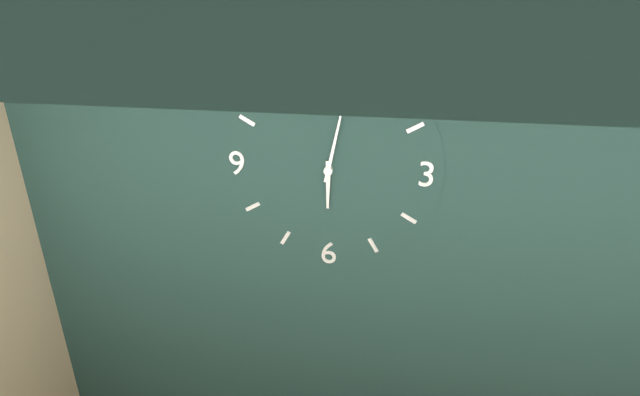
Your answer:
6 h 02 min
